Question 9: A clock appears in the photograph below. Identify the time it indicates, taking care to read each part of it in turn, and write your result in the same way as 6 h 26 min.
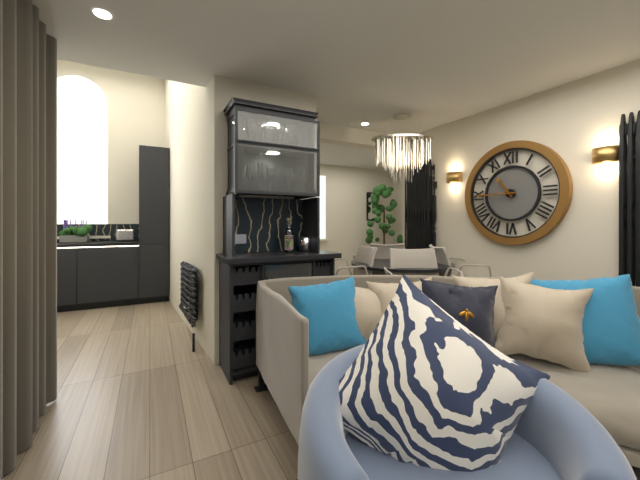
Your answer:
10 h 45 min
